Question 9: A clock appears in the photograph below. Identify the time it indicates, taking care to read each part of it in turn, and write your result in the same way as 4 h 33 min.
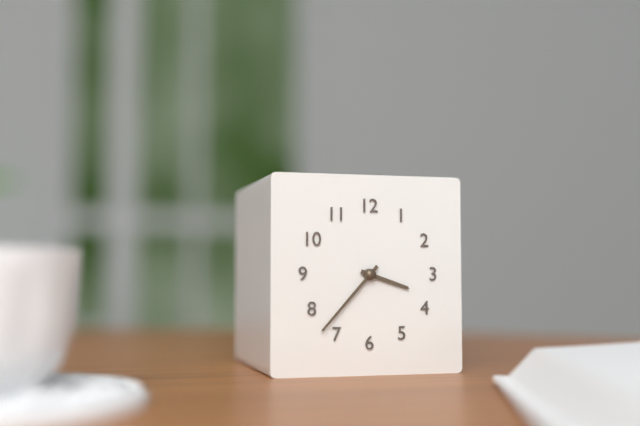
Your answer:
3 h 37 min
